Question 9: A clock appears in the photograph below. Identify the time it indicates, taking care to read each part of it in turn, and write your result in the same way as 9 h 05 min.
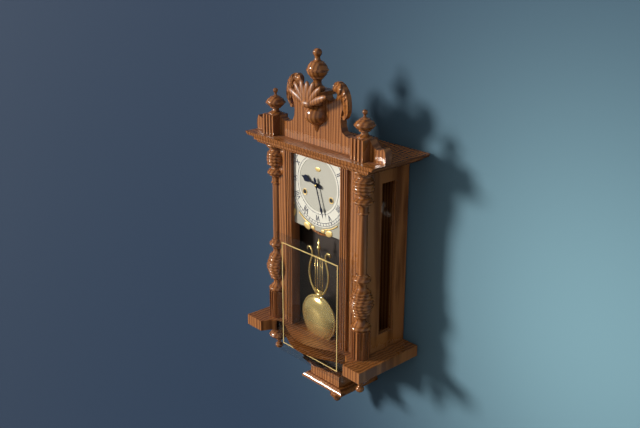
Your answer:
9 h 27 min
